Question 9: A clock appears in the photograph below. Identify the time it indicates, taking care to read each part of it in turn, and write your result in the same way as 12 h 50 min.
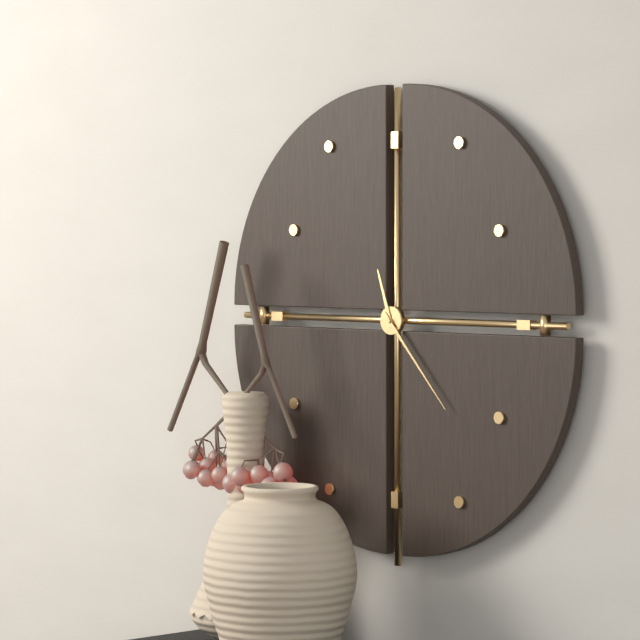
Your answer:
11 h 23 min
